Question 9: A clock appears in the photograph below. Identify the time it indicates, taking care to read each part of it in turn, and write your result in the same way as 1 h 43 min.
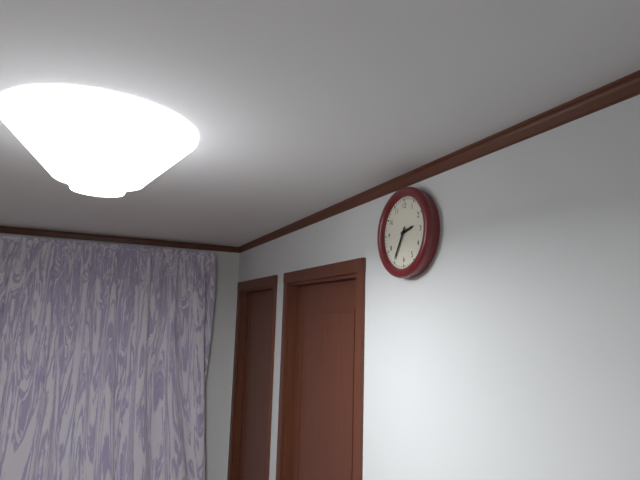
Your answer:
2 h 35 min
